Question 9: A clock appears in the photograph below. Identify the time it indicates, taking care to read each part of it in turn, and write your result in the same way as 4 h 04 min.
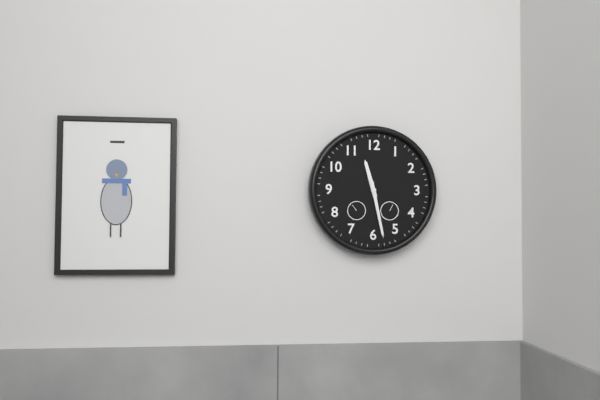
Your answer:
11 h 28 min
